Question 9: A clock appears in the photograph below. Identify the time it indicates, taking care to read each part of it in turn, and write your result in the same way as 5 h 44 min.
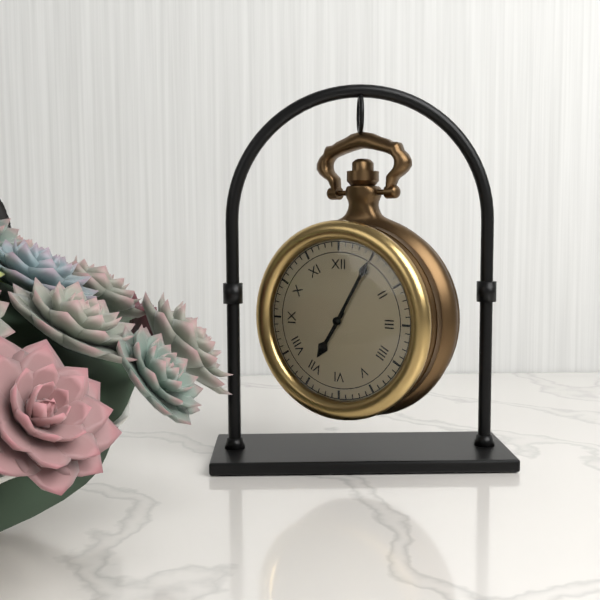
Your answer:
7 h 05 min
